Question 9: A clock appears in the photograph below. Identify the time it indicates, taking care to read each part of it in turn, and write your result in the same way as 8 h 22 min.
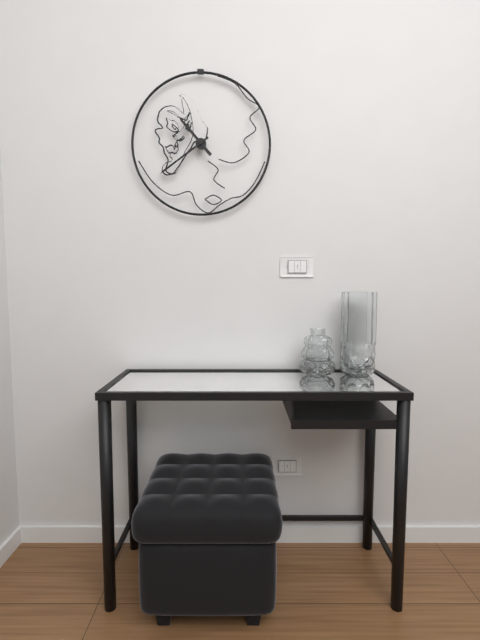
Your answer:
10 h 39 min
